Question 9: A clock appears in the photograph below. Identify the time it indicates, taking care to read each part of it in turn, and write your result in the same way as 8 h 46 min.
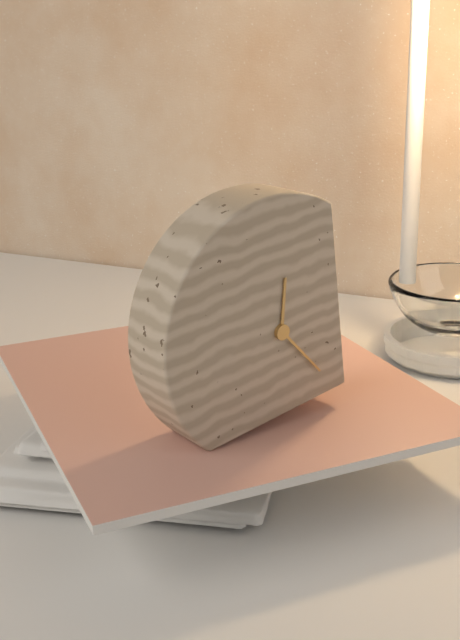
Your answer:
12 h 24 min
